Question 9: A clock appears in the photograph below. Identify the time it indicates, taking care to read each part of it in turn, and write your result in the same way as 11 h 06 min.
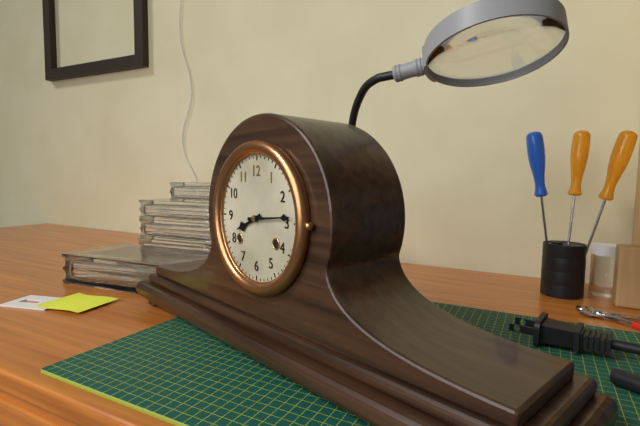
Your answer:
8 h 14 min
